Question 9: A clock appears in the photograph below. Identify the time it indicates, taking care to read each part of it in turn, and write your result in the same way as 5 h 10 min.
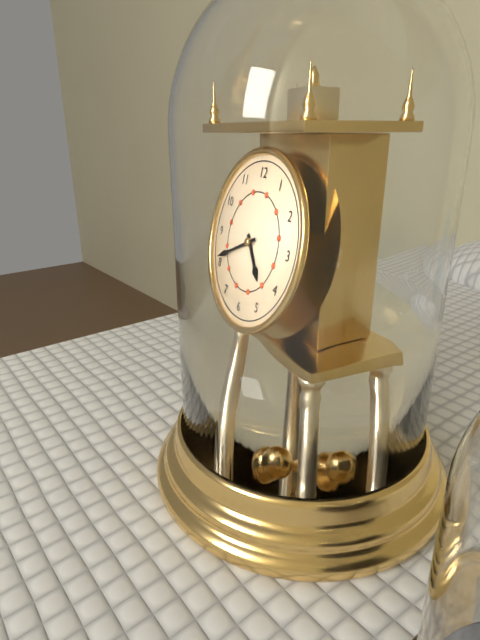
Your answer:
4 h 41 min
